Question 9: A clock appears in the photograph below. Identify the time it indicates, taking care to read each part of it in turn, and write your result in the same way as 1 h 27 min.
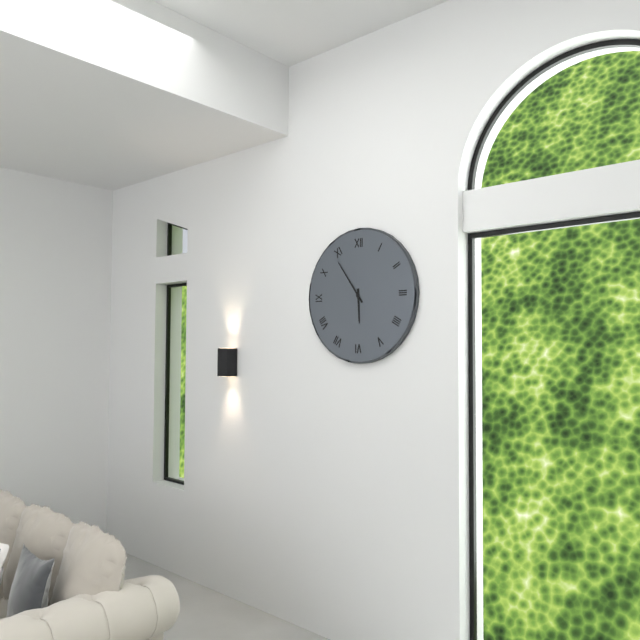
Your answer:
5 h 54 min
